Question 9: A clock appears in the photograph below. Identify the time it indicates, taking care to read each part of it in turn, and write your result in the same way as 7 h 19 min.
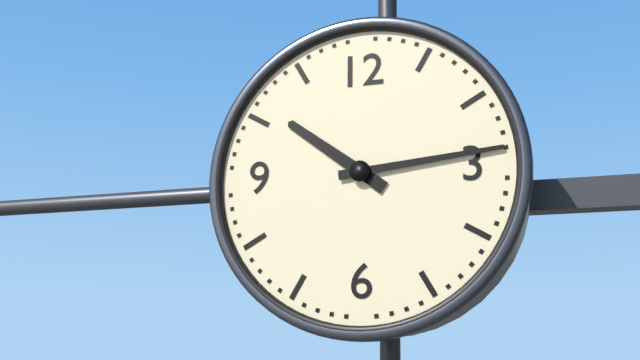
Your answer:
10 h 14 min
